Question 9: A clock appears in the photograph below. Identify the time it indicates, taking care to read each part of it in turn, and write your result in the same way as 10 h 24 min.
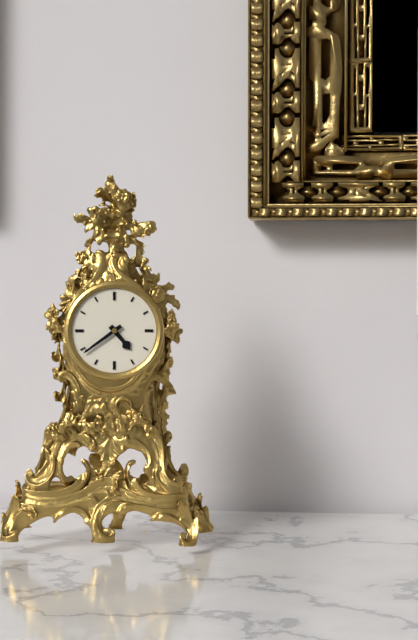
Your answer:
4 h 39 min
